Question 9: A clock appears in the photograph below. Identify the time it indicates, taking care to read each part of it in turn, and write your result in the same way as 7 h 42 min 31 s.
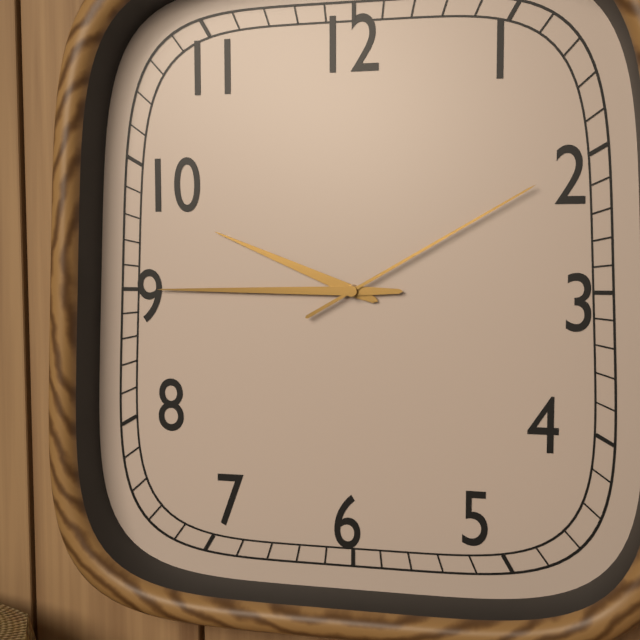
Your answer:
9 h 45 min 10 s
